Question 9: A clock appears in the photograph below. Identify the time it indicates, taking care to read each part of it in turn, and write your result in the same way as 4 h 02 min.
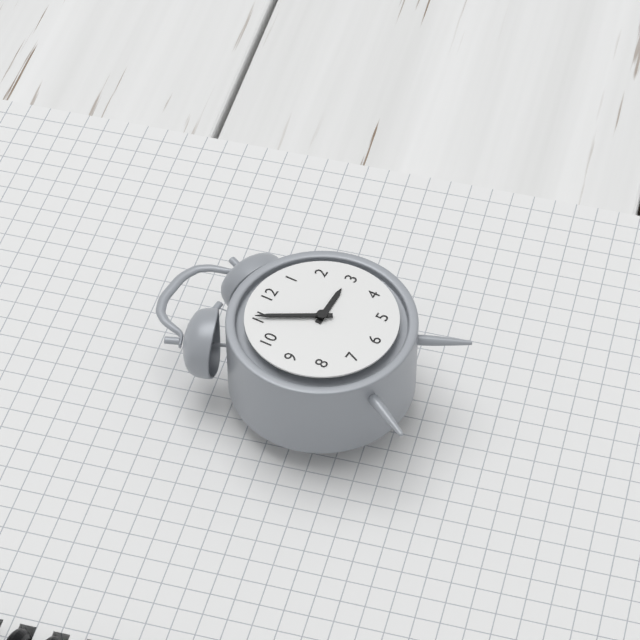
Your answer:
2 h 55 min
